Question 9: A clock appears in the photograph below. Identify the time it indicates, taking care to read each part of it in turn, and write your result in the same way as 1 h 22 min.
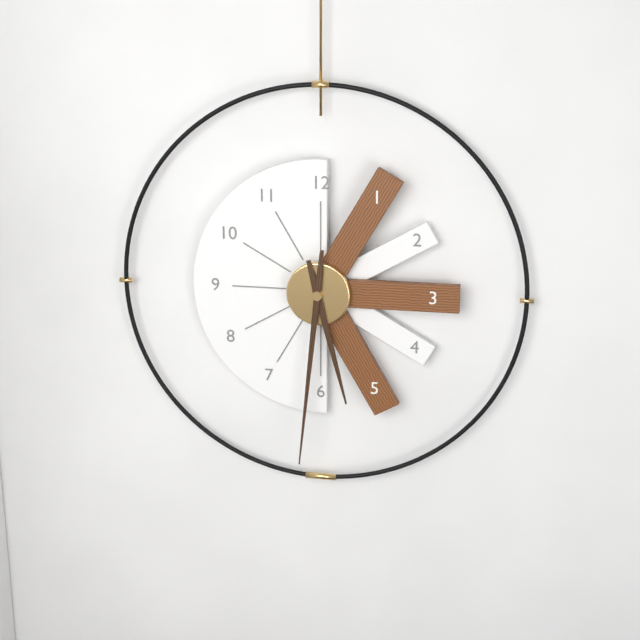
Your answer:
5 h 31 min
